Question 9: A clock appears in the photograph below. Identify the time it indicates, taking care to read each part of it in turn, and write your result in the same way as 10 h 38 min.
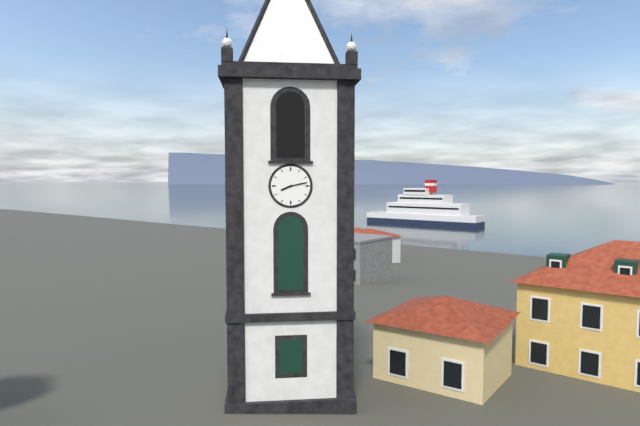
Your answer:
8 h 13 min
